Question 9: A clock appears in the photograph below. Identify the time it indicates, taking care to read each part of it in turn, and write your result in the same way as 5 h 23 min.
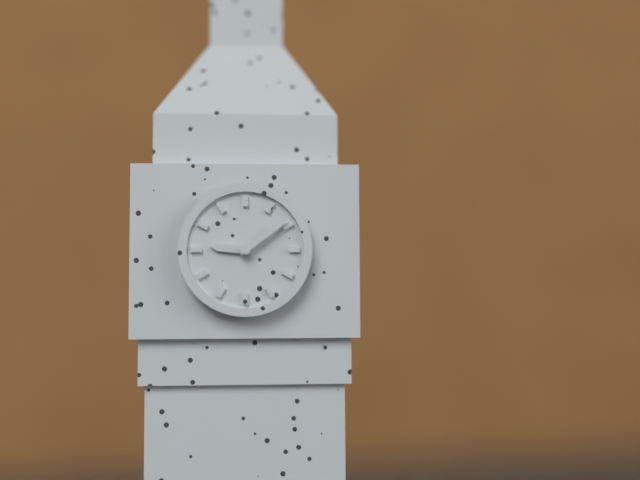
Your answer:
9 h 09 min
